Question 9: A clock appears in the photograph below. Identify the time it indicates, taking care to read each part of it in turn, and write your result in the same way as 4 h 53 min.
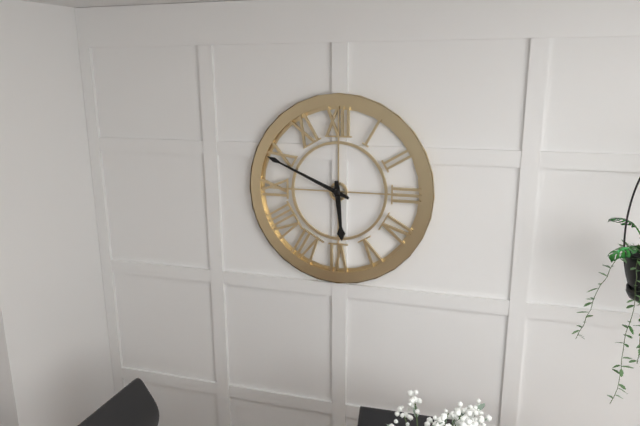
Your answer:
5 h 49 min
